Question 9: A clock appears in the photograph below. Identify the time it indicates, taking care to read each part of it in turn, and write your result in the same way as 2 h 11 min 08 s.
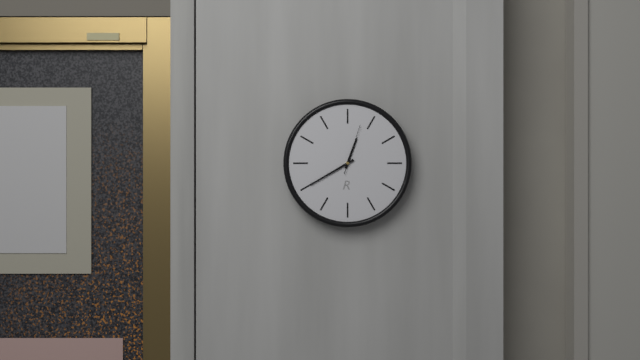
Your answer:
12 h 40 min 03 s
